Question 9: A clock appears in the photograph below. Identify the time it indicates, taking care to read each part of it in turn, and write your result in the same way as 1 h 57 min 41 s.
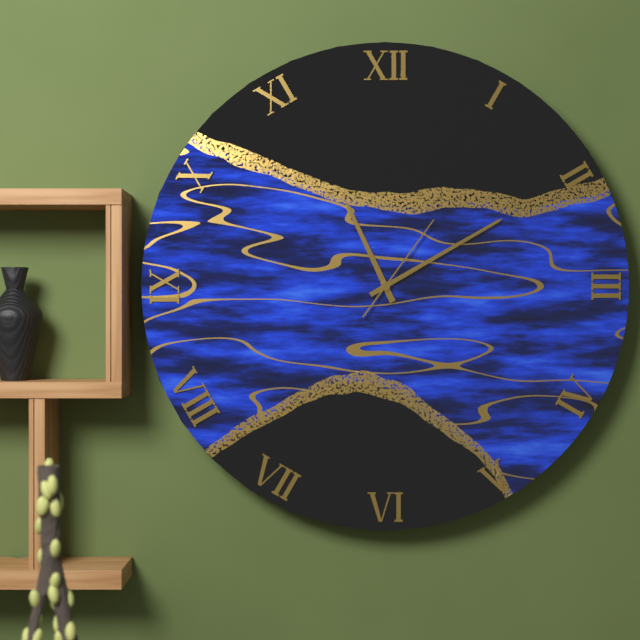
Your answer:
11 h 10 min 06 s
